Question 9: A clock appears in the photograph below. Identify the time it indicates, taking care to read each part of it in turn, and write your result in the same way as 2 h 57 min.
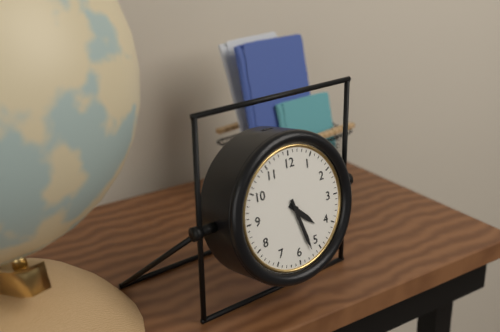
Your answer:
4 h 27 min
